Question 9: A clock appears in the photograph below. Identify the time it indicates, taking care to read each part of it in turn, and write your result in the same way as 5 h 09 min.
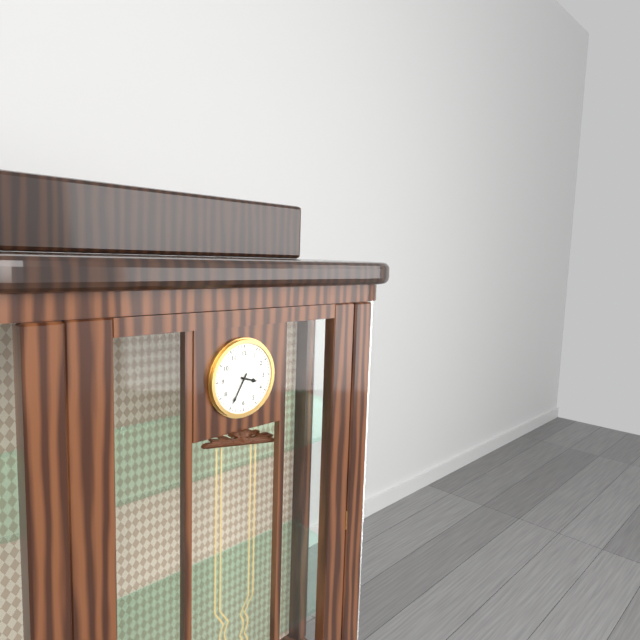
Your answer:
3 h 35 min
